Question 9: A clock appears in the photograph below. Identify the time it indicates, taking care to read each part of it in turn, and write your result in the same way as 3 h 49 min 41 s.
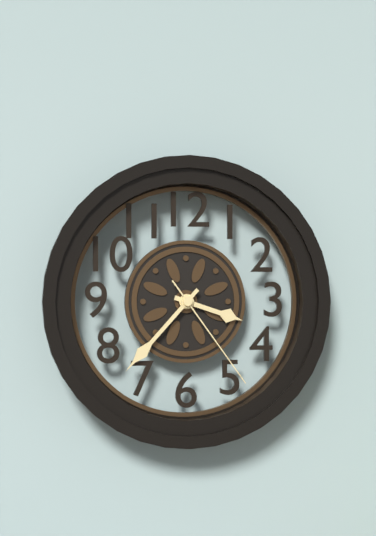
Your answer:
3 h 37 min 24 s
